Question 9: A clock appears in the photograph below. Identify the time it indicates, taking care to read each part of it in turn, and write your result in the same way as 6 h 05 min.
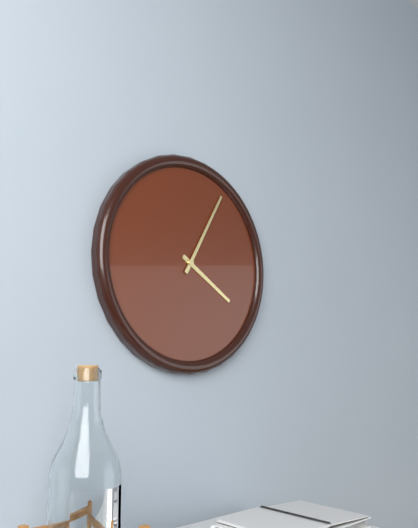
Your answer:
4 h 05 min
